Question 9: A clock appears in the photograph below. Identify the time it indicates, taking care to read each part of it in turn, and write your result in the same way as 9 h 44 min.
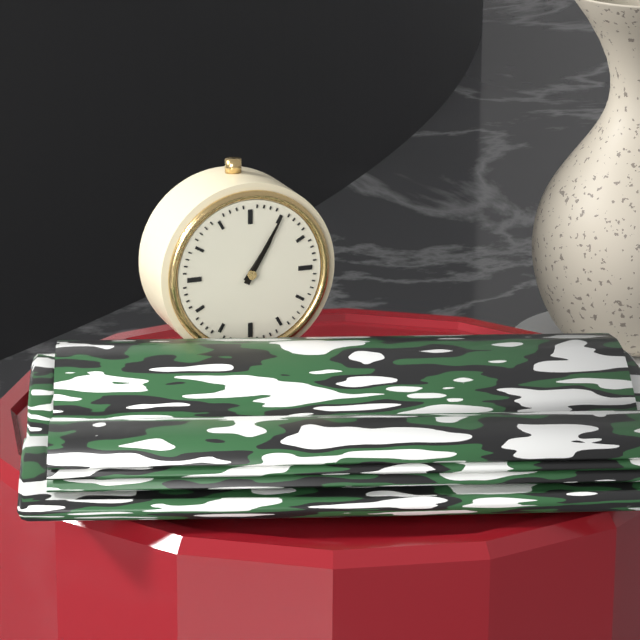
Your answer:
1 h 05 min
